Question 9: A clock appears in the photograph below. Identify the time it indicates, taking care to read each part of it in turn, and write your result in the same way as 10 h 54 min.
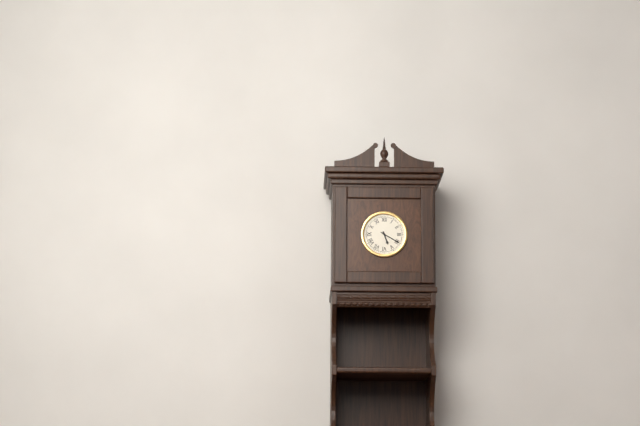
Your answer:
5 h 20 min
